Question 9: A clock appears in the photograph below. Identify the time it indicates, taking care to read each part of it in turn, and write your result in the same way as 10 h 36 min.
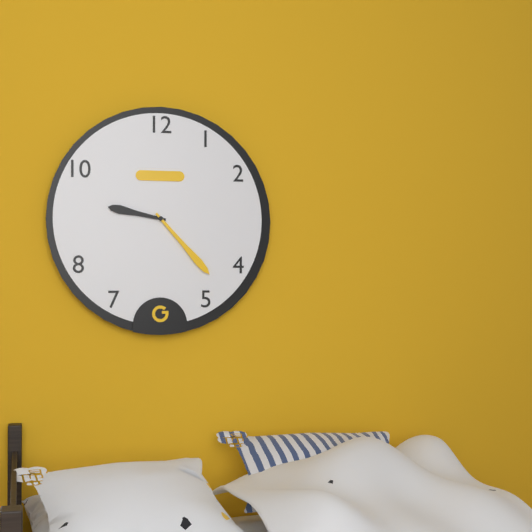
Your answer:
9 h 23 min
